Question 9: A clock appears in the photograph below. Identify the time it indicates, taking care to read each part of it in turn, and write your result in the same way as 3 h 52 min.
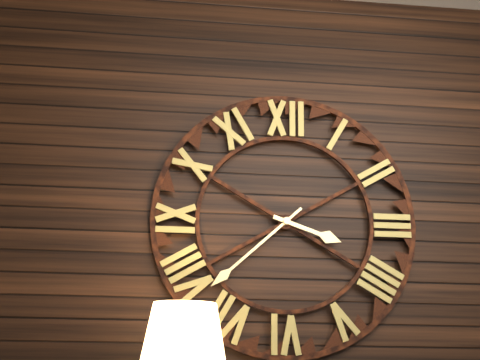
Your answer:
3 h 38 min
